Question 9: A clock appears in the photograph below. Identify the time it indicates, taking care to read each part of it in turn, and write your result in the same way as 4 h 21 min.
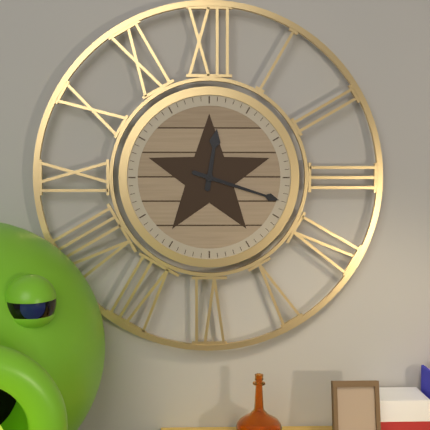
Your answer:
12 h 18 min
